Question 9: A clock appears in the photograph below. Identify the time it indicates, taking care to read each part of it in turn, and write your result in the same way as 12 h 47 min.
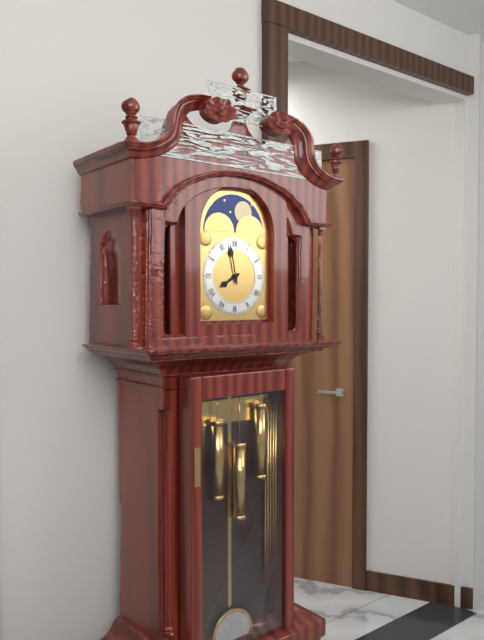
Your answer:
7 h 58 min
